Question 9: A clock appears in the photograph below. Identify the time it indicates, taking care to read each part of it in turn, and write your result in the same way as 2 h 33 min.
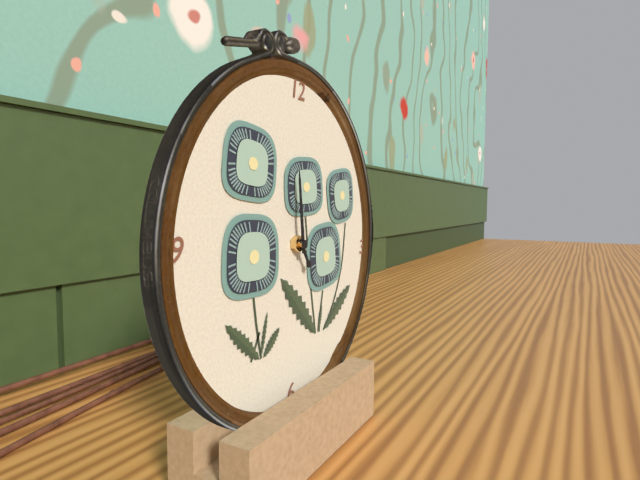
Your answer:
4 h 59 min
